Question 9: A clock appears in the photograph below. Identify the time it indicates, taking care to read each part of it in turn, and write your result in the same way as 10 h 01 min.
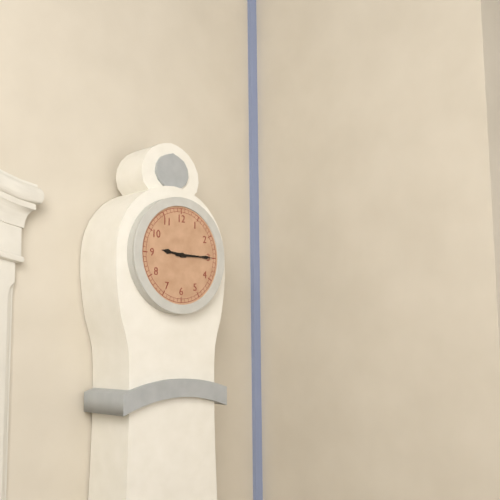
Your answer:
9 h 15 min
